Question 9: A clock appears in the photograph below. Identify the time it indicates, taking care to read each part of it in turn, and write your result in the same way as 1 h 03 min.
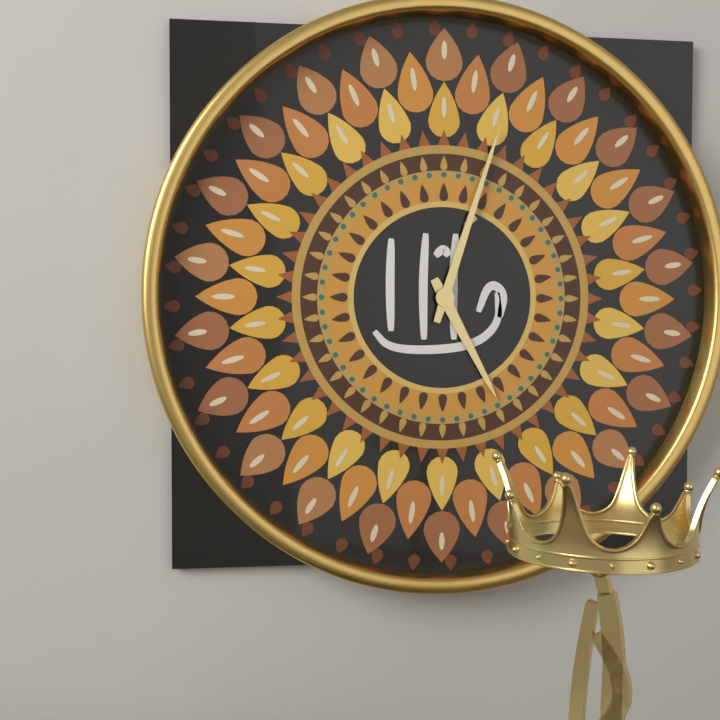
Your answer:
5 h 03 min
